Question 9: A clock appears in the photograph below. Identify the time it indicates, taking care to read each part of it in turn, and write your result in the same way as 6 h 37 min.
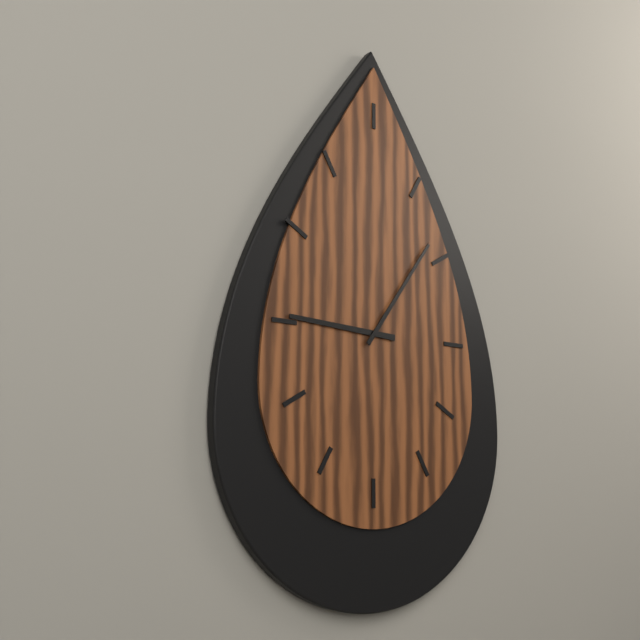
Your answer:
9 h 06 min
